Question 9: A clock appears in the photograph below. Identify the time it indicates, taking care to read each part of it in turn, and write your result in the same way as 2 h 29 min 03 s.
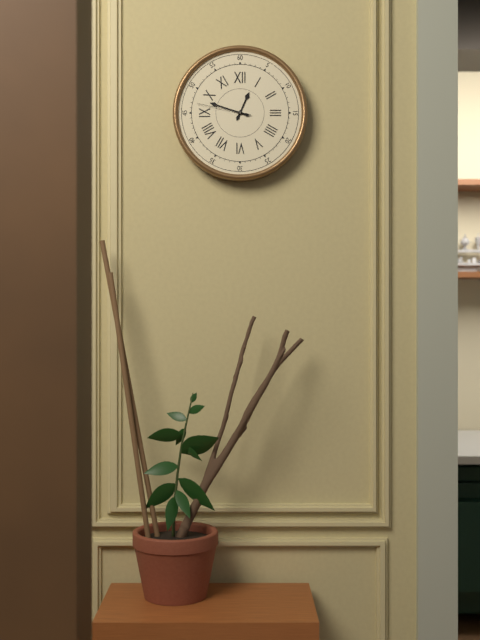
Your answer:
12 h 48 min 47 s
